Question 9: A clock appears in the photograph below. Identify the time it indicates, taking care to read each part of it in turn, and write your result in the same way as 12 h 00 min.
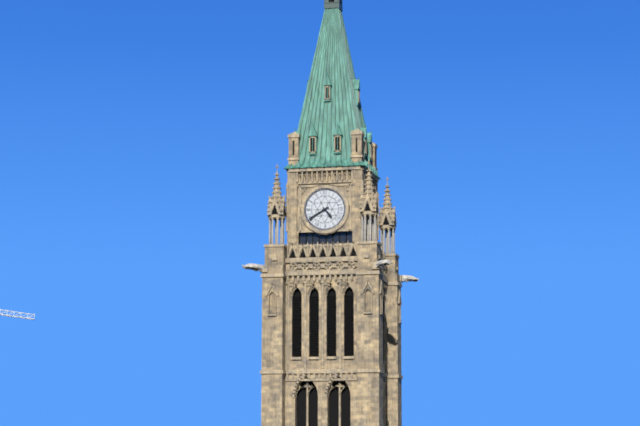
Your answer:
4 h 40 min
